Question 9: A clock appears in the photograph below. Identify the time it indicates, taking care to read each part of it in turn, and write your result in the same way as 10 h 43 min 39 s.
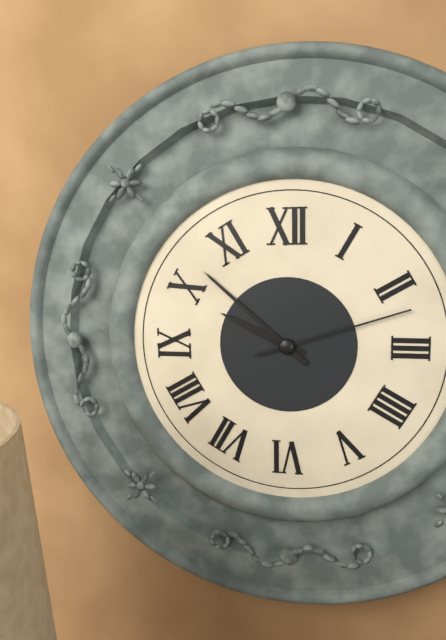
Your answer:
9 h 52 min 12 s
